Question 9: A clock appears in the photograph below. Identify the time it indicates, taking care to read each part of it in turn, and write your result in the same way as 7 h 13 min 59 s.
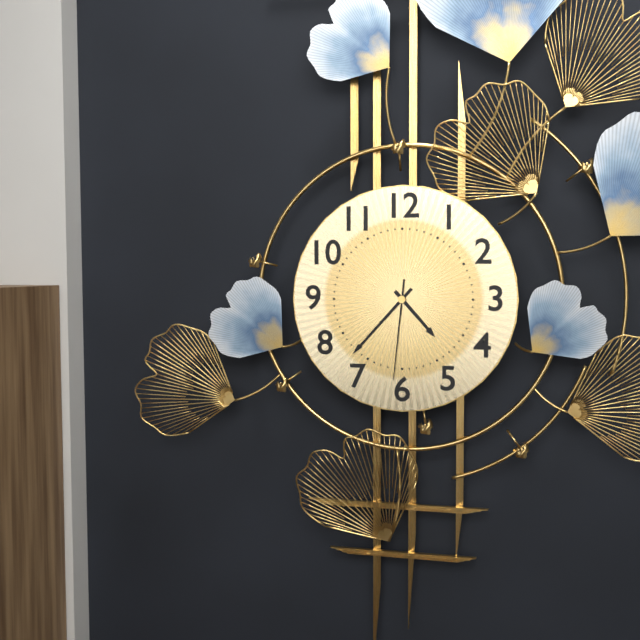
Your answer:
4 h 37 min 31 s
